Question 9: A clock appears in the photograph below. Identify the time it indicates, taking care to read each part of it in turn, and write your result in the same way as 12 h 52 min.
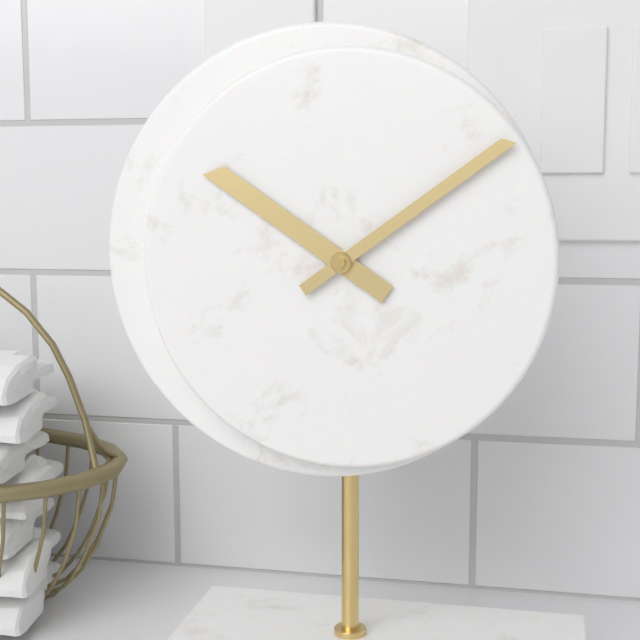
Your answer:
10 h 09 min
